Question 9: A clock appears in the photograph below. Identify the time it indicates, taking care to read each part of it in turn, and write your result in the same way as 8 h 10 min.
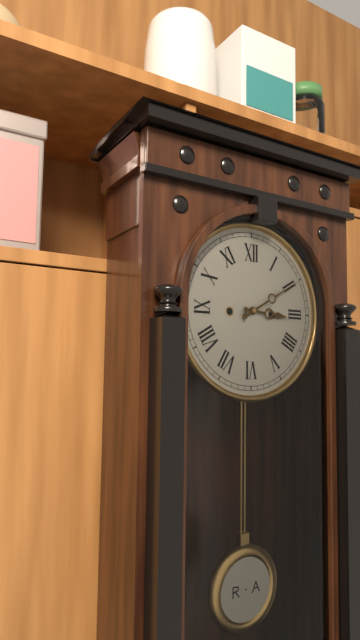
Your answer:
3 h 10 min
